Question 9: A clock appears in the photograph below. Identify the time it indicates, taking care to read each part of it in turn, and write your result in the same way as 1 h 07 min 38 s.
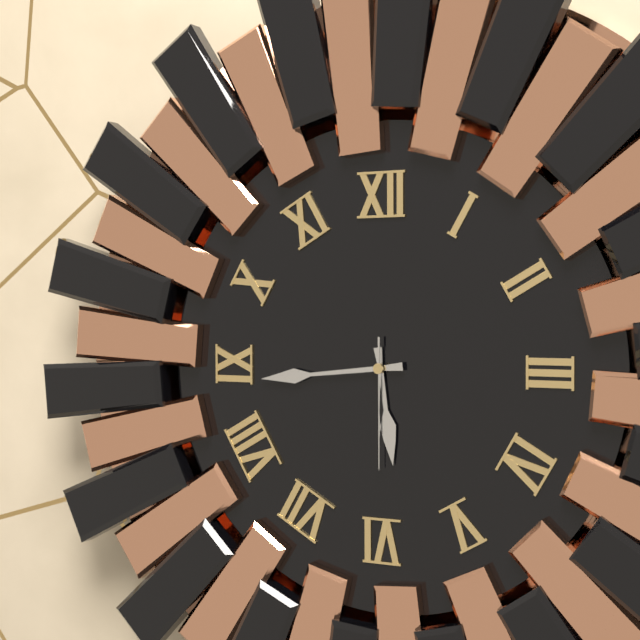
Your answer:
5 h 44 min 30 s
